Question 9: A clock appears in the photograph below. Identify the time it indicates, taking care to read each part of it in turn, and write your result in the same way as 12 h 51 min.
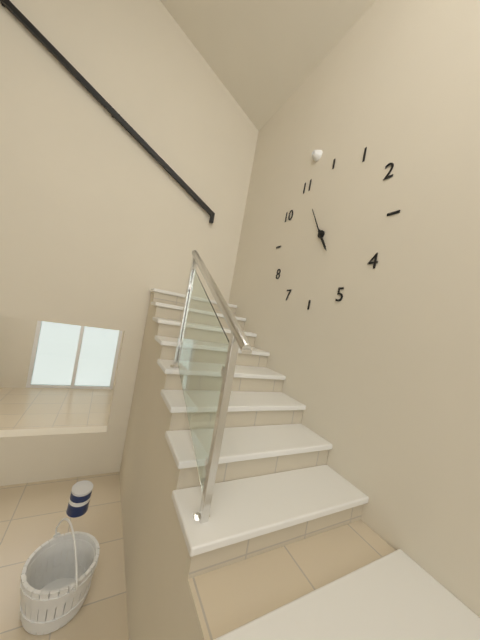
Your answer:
4 h 55 min
